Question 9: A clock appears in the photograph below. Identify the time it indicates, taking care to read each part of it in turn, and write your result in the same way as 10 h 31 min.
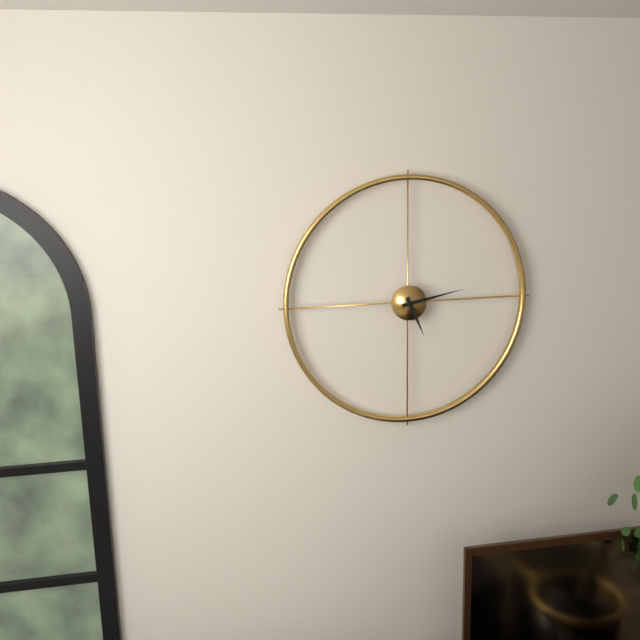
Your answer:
5 h 13 min
